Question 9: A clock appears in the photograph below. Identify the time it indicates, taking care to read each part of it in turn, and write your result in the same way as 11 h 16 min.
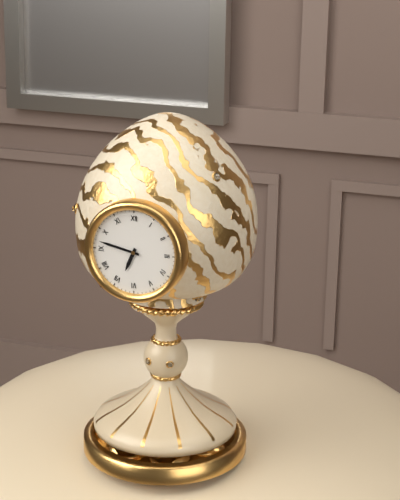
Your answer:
6 h 47 min
